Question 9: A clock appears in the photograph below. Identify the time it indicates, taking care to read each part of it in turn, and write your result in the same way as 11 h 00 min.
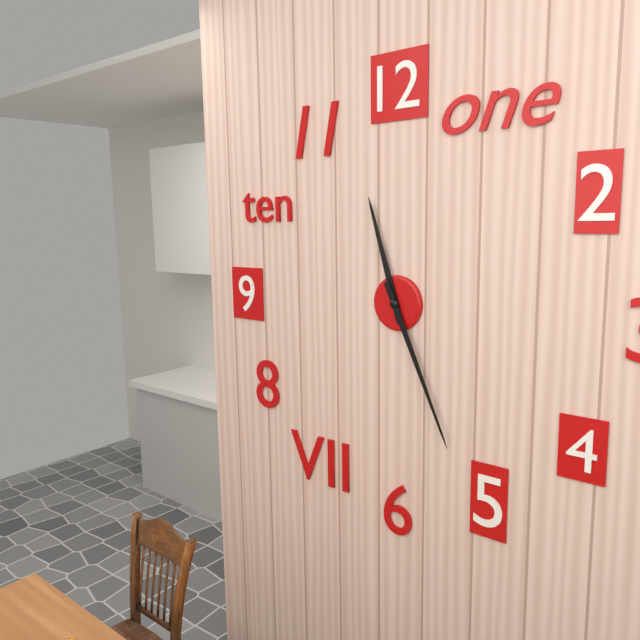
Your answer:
11 h 26 min
